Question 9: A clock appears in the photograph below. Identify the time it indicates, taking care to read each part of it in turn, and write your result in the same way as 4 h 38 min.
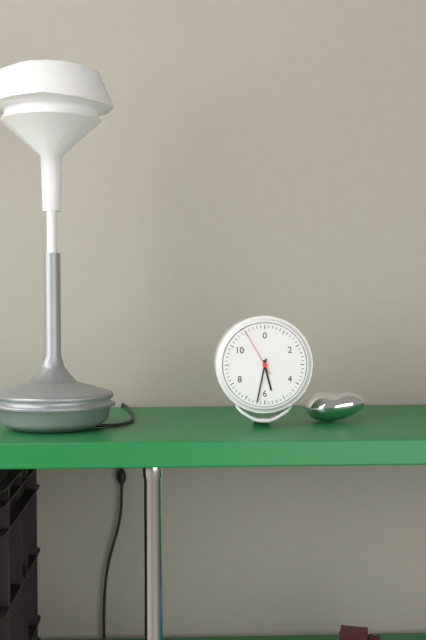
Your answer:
5 h 32 min
